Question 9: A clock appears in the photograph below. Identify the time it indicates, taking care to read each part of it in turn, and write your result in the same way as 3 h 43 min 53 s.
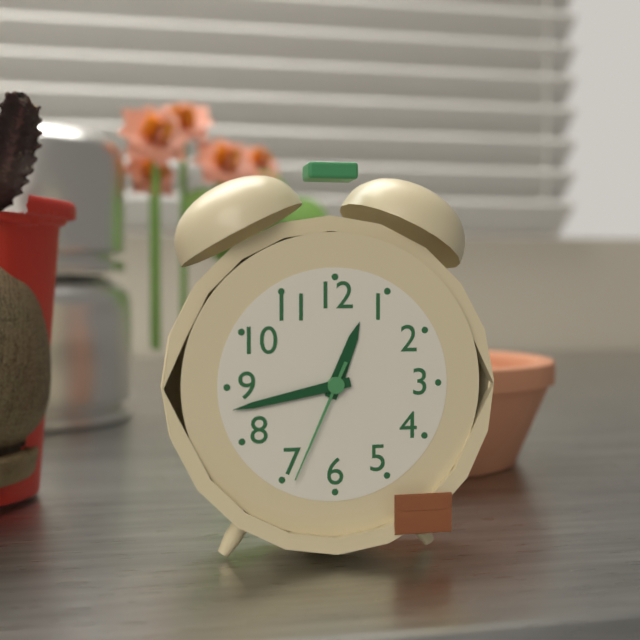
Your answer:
12 h 43 min 34 s
